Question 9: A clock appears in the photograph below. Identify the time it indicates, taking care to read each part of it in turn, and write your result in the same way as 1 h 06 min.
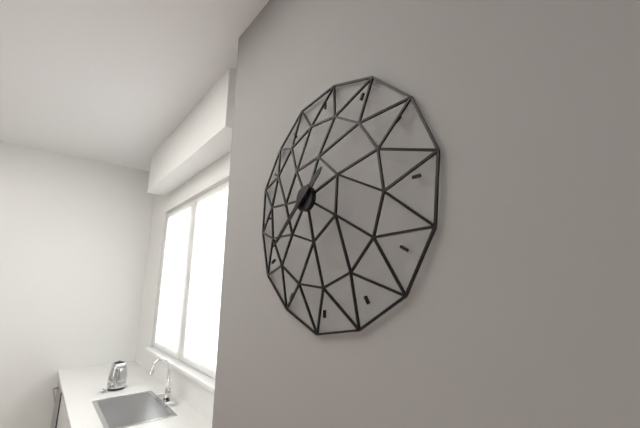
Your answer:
1 h 38 min
